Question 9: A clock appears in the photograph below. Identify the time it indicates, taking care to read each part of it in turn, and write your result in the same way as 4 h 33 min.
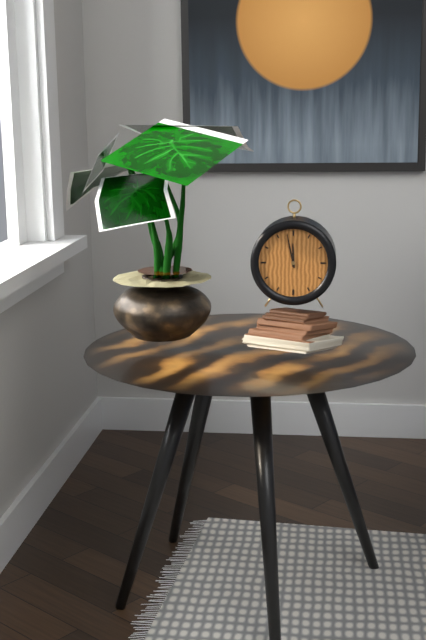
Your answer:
11 h 58 min
